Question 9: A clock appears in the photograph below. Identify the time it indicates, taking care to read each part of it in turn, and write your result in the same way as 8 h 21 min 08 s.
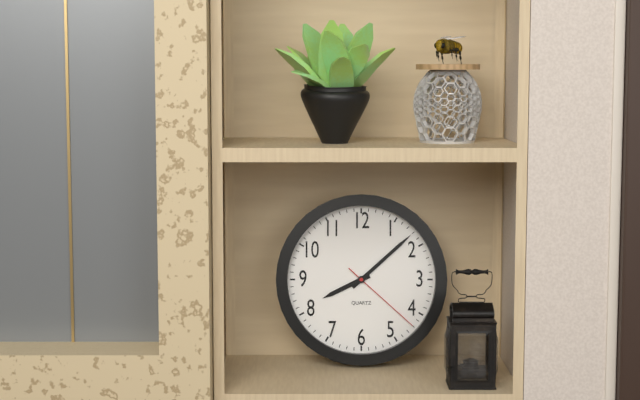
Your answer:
8 h 08 min 22 s
